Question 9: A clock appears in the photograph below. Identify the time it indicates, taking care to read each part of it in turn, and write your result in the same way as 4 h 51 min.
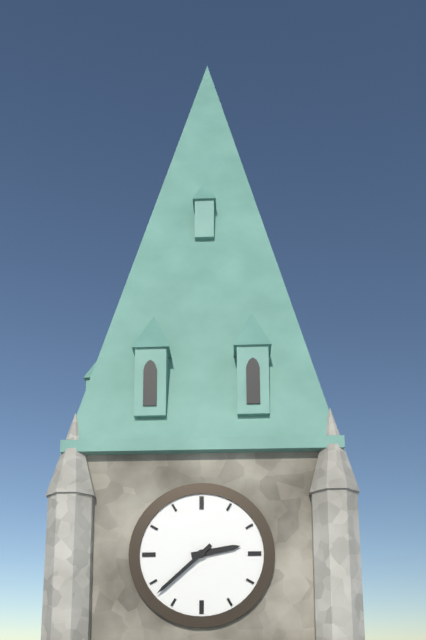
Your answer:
2 h 38 min
